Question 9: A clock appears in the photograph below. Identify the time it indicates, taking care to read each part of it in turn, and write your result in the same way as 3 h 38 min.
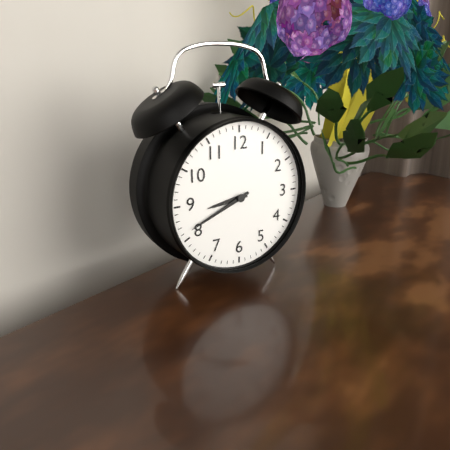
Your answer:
8 h 41 min
